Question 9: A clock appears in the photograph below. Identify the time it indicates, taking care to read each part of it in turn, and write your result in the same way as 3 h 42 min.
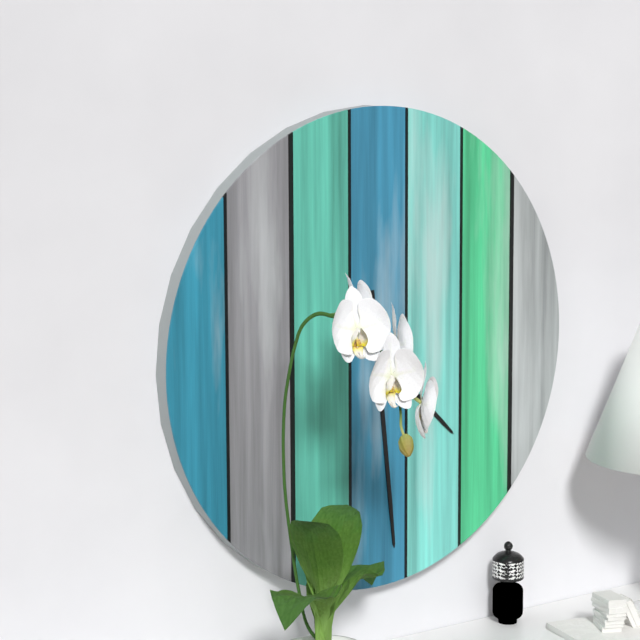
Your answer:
4 h 29 min
